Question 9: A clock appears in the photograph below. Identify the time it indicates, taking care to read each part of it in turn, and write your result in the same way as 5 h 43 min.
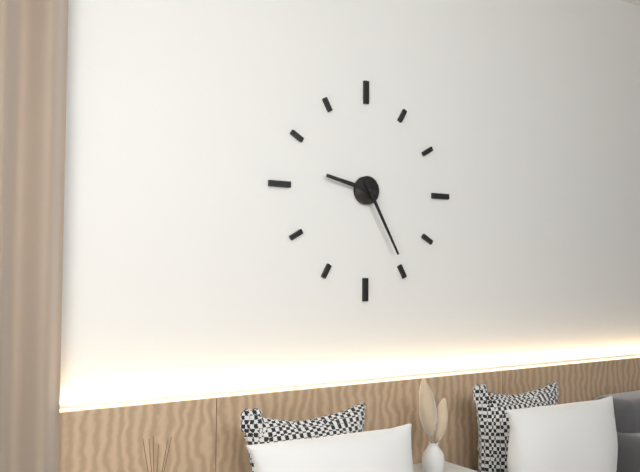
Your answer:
9 h 25 min
